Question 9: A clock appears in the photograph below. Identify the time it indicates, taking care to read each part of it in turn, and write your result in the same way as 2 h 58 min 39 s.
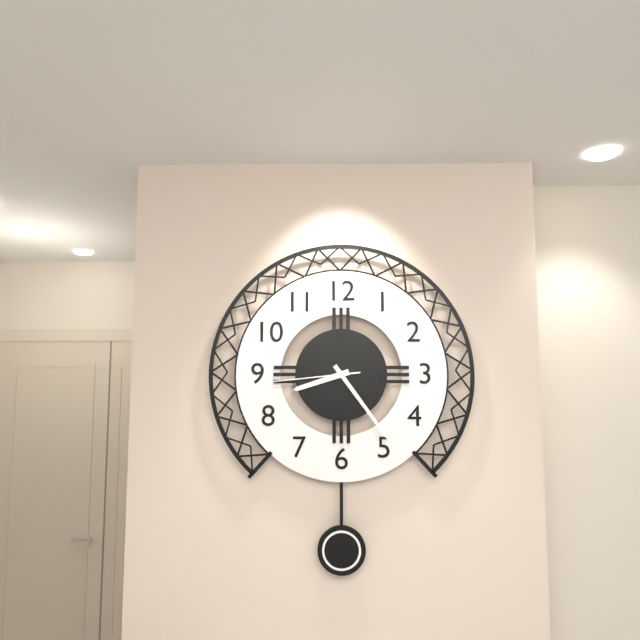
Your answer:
8 h 24 min 44 s
